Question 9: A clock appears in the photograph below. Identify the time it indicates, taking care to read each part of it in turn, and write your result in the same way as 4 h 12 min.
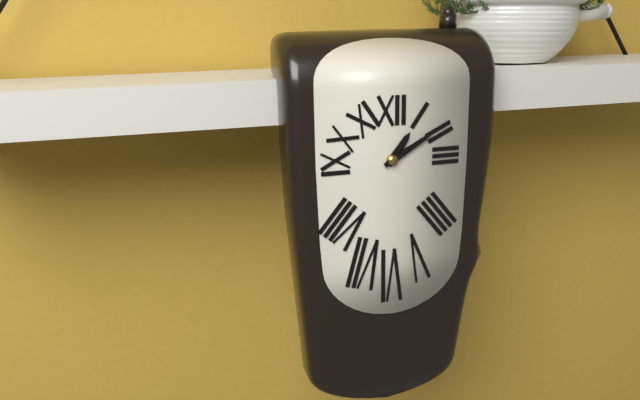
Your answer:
1 h 10 min
